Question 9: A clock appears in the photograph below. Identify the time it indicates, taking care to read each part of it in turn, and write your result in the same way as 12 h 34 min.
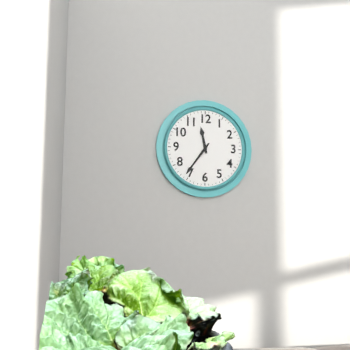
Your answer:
11 h 36 min
